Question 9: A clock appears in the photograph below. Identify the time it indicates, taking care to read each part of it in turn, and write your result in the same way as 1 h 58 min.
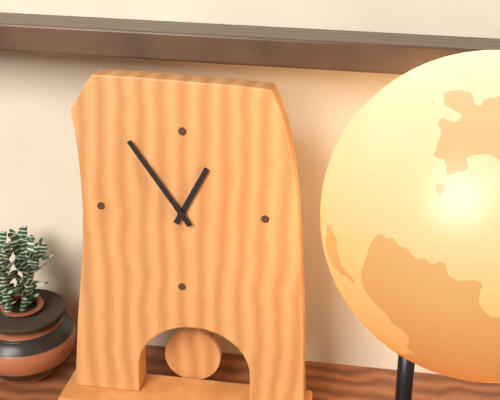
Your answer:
12 h 54 min
